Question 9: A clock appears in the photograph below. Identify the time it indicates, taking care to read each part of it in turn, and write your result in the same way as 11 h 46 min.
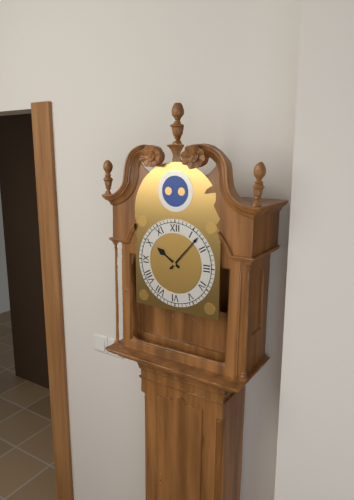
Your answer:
10 h 07 min
